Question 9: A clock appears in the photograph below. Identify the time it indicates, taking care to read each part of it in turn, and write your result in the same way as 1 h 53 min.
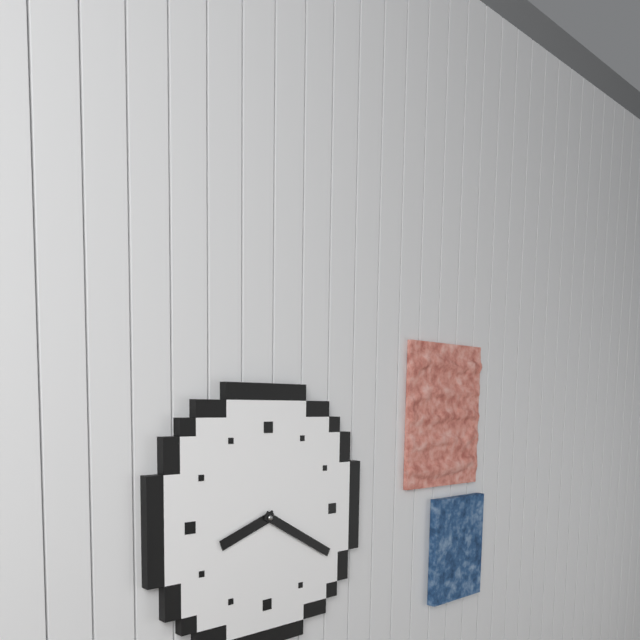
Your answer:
8 h 20 min
